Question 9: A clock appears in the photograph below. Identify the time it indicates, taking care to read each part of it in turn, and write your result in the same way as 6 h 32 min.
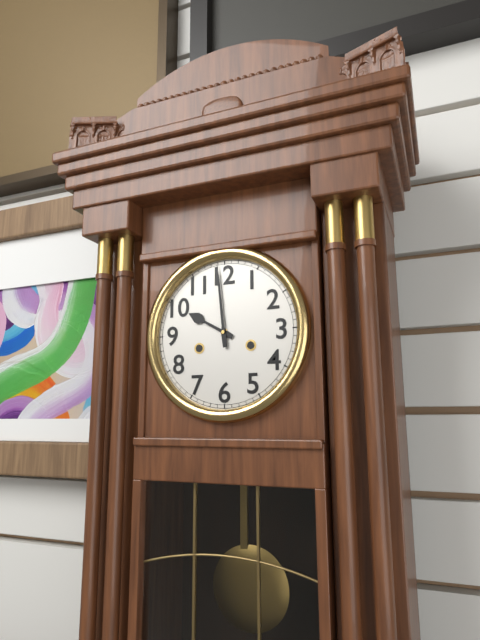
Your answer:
9 h 59 min
